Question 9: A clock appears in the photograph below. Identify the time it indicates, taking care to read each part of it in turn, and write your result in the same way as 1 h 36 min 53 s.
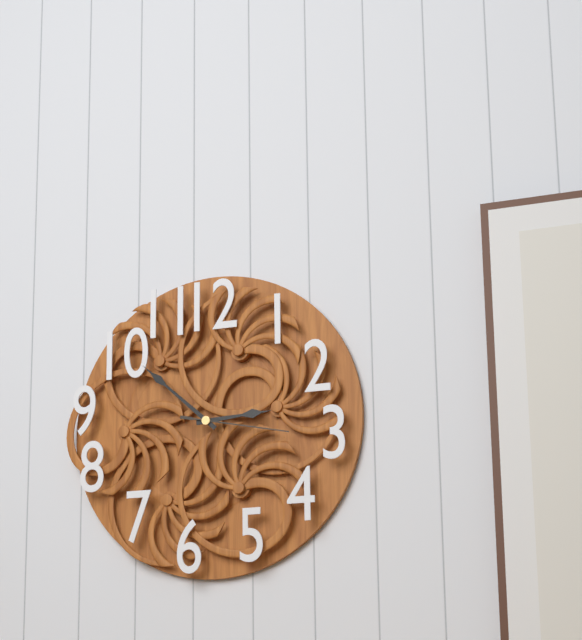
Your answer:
2 h 52 min 17 s
